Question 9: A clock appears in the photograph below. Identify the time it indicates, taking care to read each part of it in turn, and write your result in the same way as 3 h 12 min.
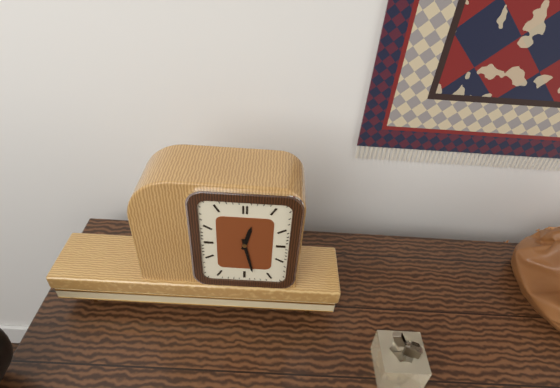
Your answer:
12 h 28 min
